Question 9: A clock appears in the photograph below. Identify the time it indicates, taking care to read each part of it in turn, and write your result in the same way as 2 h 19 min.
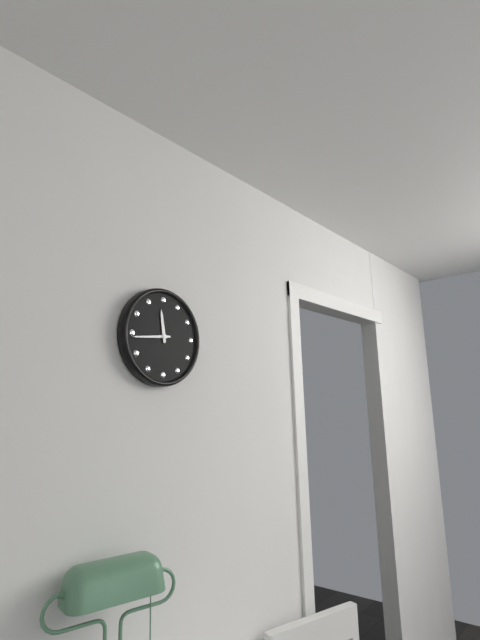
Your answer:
11 h 44 min
